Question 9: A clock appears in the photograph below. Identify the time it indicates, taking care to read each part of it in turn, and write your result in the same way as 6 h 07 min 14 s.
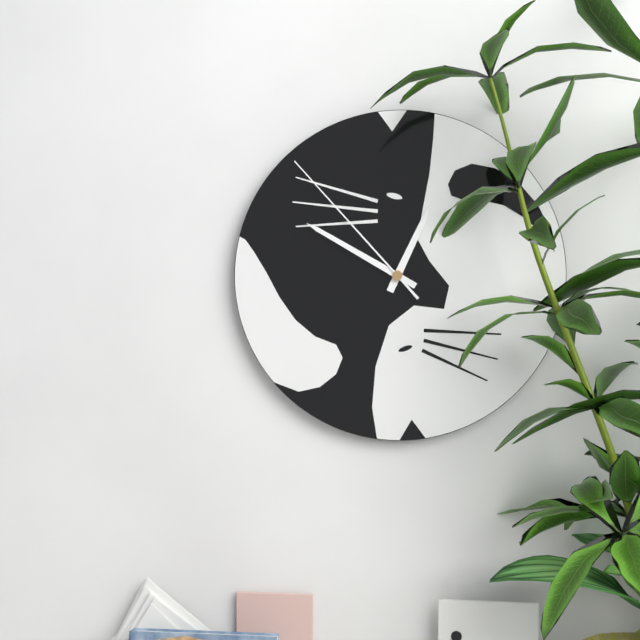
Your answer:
12 h 50 min 53 s
